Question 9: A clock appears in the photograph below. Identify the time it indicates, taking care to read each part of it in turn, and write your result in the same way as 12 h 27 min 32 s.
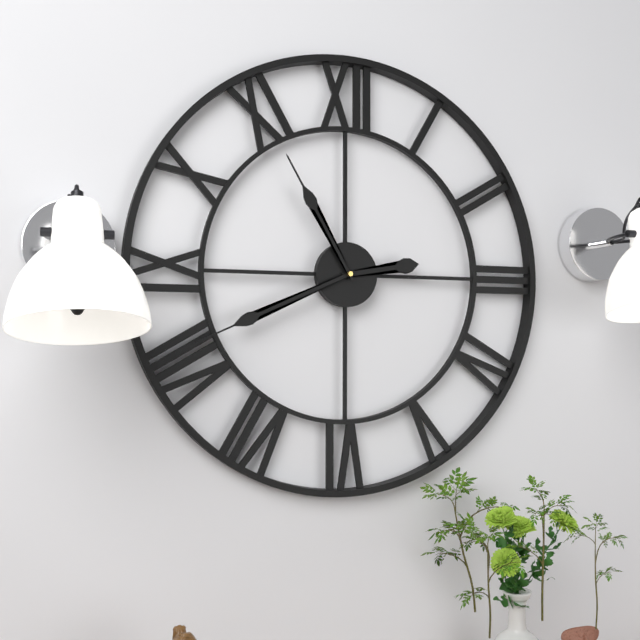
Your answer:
2 h 41 min 55 s
